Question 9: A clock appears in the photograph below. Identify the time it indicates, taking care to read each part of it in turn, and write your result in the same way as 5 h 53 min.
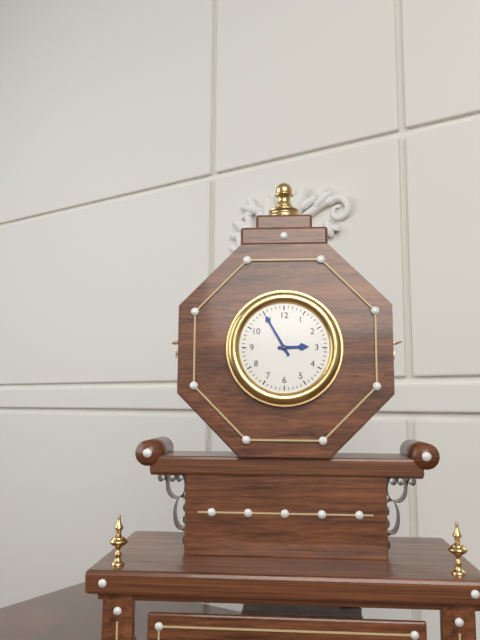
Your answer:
2 h 55 min
